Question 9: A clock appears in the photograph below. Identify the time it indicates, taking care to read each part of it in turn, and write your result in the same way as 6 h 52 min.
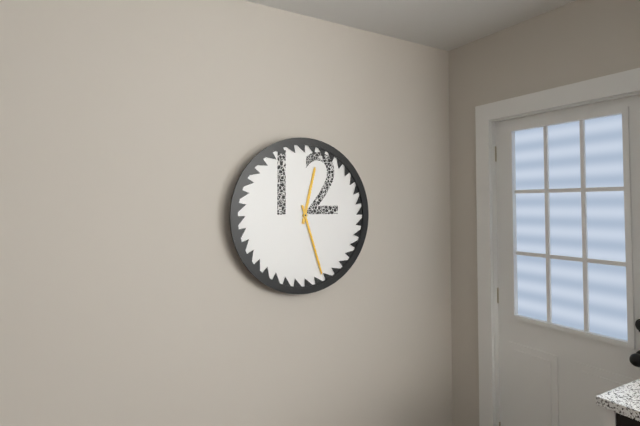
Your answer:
12 h 27 min
